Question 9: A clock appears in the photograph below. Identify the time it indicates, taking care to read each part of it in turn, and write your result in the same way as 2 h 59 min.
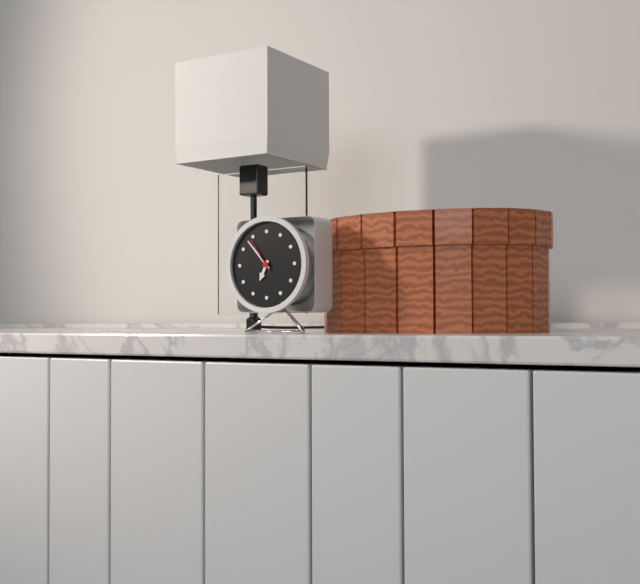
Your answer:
6 h 53 min
